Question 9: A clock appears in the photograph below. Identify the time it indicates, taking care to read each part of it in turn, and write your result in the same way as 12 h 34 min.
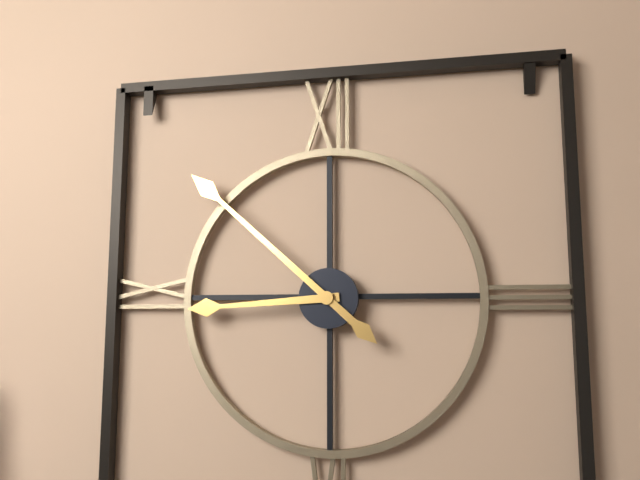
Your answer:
8 h 52 min
